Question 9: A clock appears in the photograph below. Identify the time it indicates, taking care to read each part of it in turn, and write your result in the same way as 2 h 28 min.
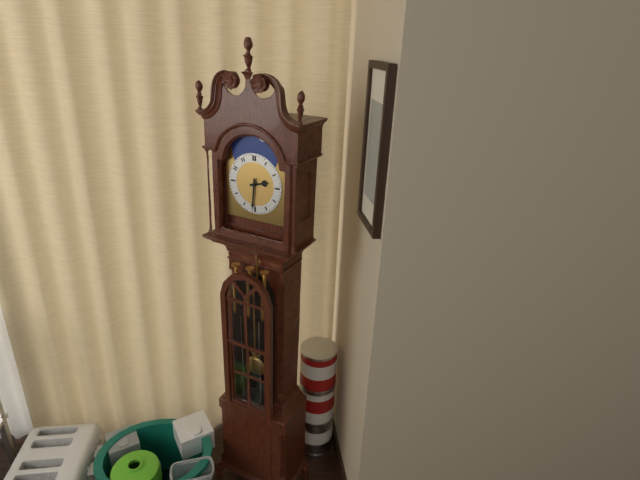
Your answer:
2 h 31 min
